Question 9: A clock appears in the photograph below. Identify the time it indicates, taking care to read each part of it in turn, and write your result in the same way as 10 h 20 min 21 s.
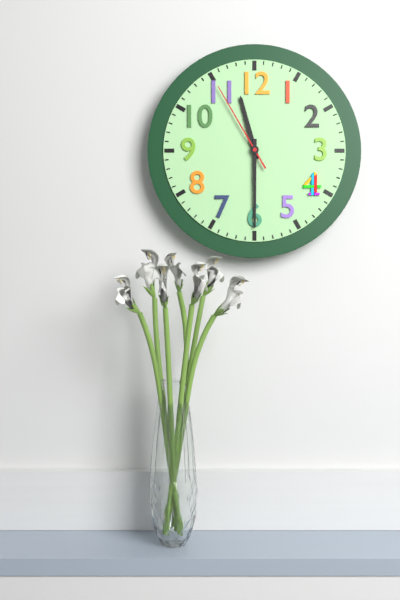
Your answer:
11 h 30 min 55 s
